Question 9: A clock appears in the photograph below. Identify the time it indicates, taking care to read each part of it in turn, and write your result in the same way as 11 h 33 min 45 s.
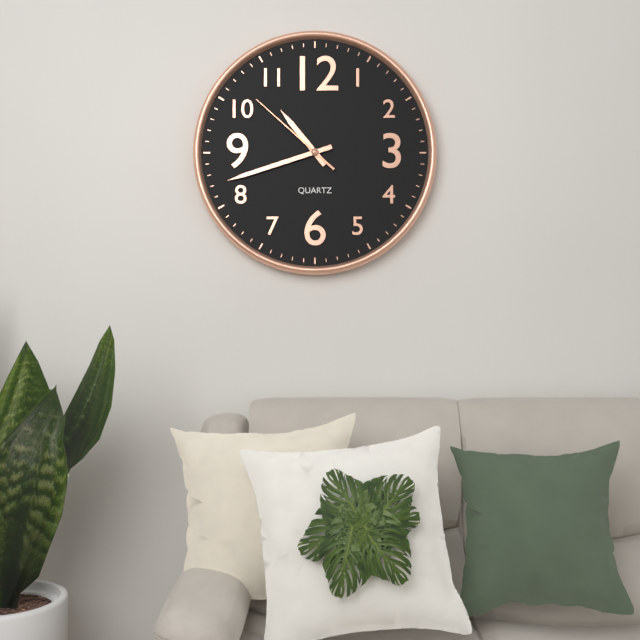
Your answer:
10 h 42 min 52 s
